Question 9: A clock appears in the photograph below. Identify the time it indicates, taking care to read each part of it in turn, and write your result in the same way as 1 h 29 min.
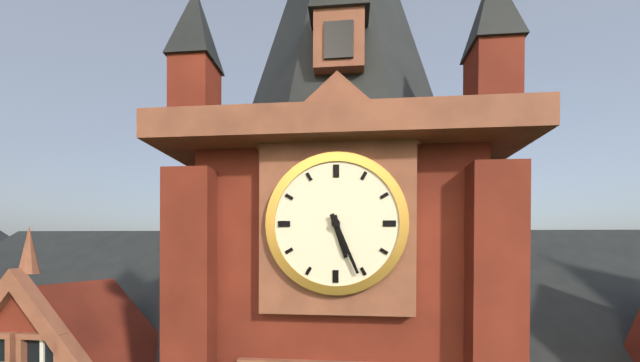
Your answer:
5 h 26 min
